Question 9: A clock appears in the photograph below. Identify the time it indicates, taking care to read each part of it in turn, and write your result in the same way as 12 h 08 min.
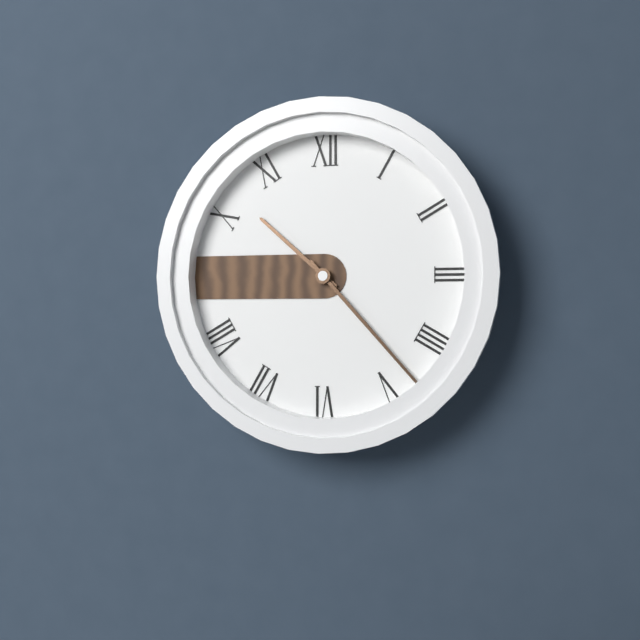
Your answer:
10 h 23 min
